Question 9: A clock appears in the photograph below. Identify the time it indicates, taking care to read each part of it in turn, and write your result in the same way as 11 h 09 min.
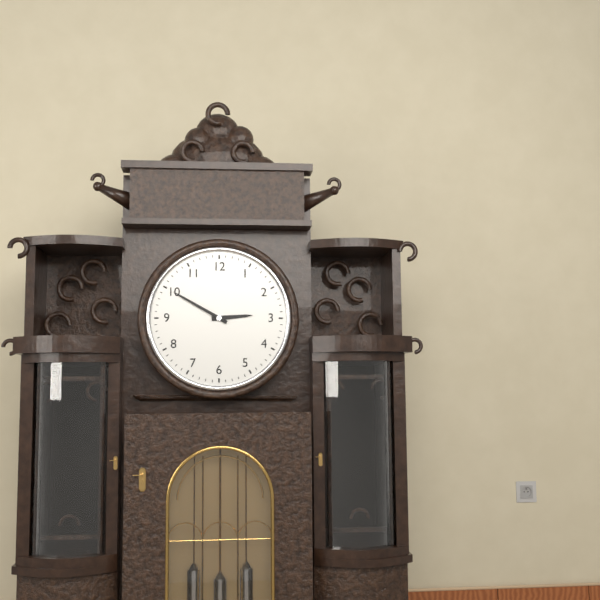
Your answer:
2 h 50 min
